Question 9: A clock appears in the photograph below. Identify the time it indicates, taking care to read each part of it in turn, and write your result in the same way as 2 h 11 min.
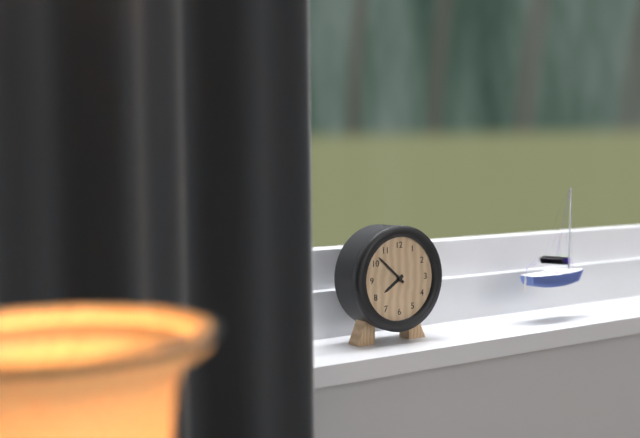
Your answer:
7 h 52 min
